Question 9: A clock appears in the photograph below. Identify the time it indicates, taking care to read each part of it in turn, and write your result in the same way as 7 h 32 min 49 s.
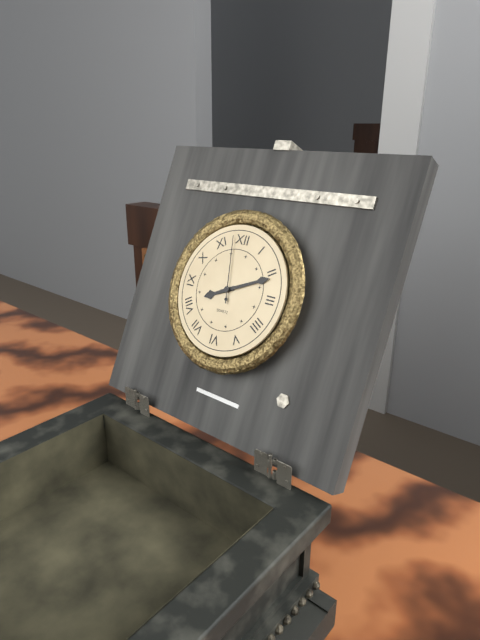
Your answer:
8 h 11 min 58 s
